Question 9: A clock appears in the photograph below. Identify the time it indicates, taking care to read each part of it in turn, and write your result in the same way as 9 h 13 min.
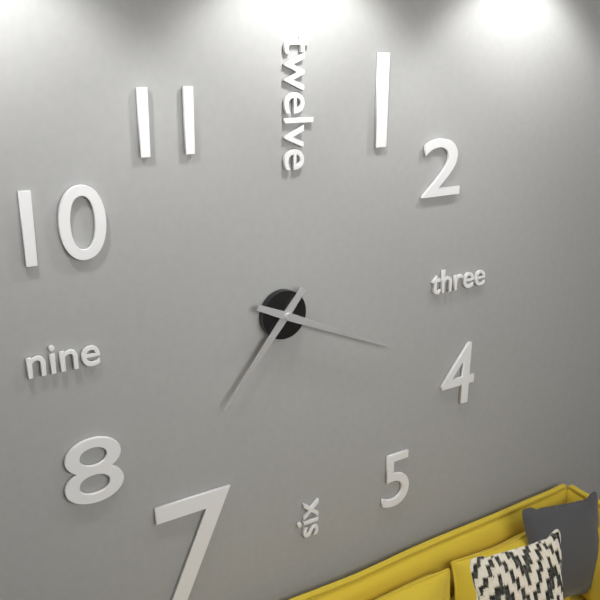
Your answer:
7 h 19 min
